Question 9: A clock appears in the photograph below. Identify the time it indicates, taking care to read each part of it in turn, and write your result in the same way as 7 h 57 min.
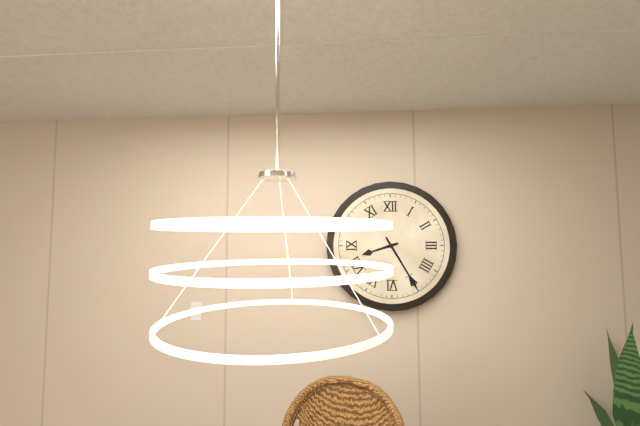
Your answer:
8 h 25 min
